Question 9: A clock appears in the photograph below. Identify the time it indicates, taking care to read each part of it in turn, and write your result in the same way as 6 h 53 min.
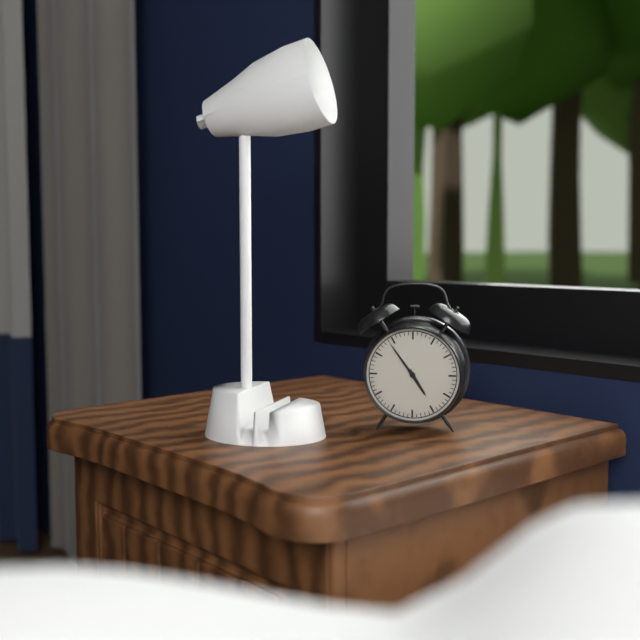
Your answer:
4 h 54 min
